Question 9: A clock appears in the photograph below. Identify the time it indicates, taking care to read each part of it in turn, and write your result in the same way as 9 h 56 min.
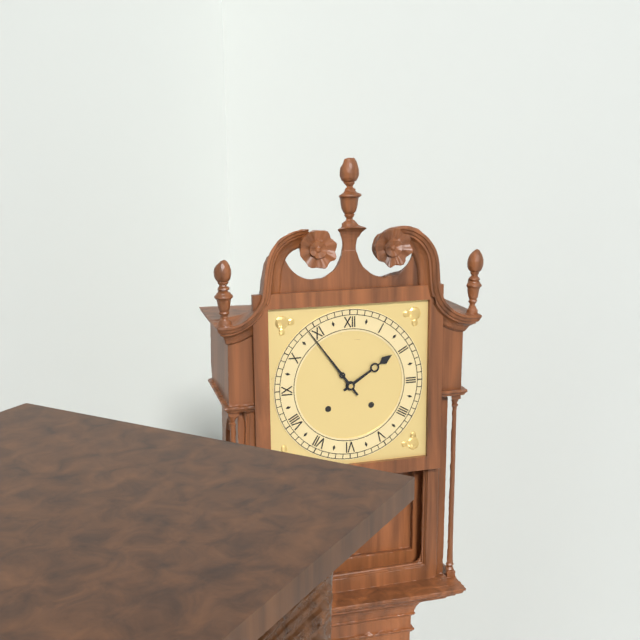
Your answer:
1 h 54 min
